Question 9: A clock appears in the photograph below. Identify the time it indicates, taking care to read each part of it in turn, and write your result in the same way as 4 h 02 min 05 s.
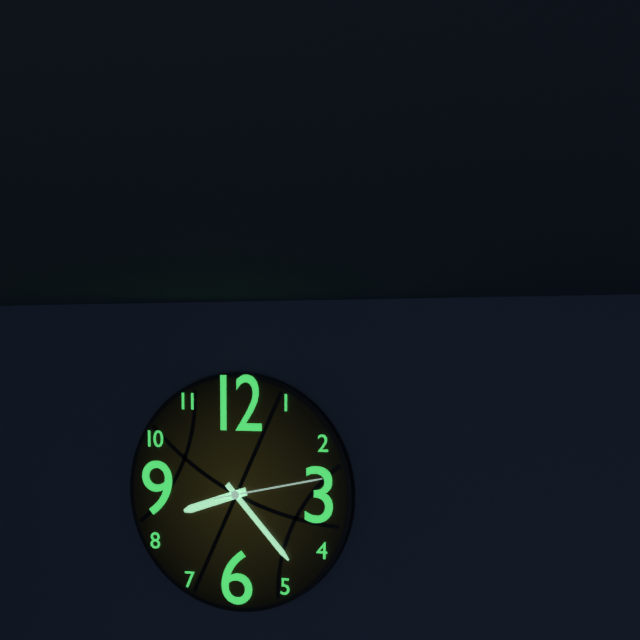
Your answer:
8 h 23 min 13 s
